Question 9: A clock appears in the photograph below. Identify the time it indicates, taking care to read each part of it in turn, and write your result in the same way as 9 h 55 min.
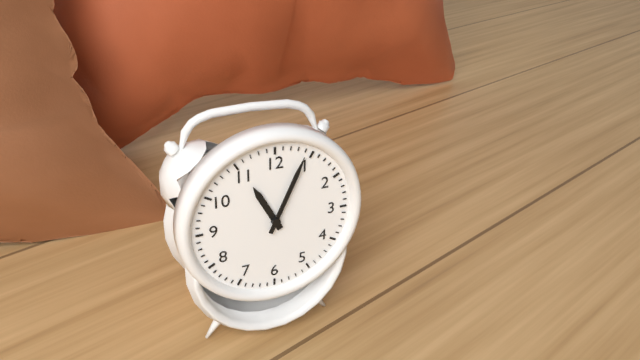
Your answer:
11 h 04 min
